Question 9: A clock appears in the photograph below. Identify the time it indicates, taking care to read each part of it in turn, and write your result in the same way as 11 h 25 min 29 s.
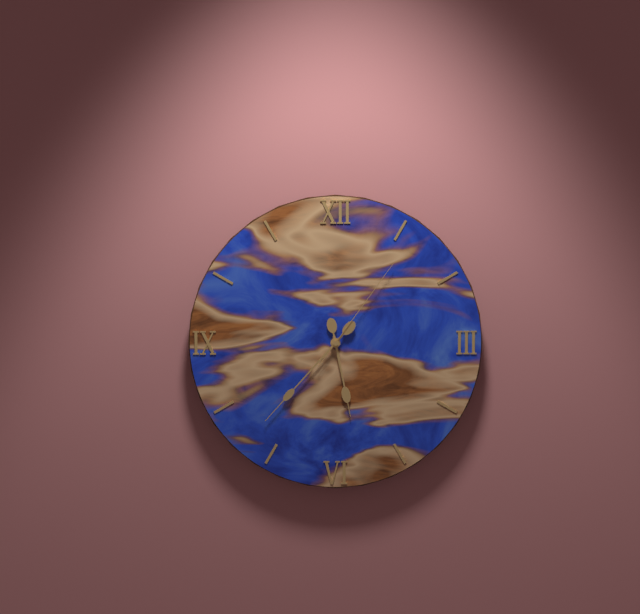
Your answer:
5 h 37 min 06 s
